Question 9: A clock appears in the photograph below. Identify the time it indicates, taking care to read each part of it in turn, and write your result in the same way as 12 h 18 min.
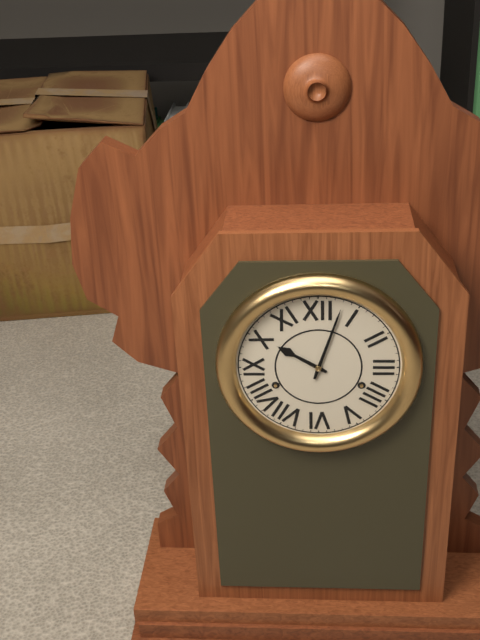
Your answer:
10 h 03 min
